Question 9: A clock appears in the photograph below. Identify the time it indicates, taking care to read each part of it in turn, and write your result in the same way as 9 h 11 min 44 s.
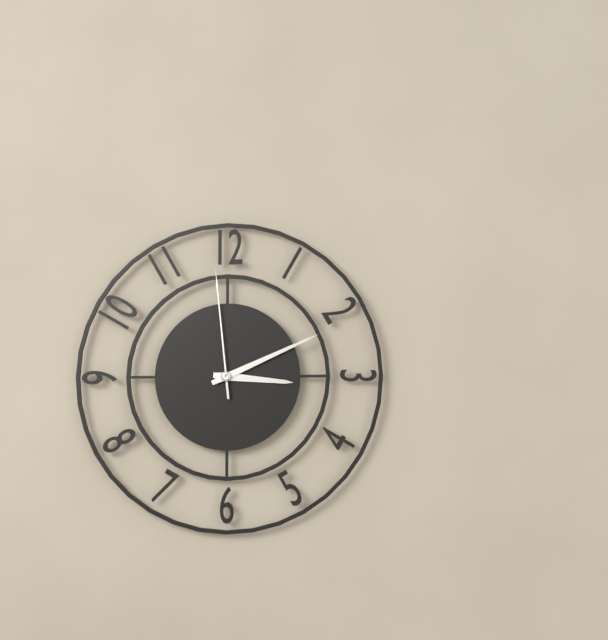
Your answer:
3 h 11 min 59 s
